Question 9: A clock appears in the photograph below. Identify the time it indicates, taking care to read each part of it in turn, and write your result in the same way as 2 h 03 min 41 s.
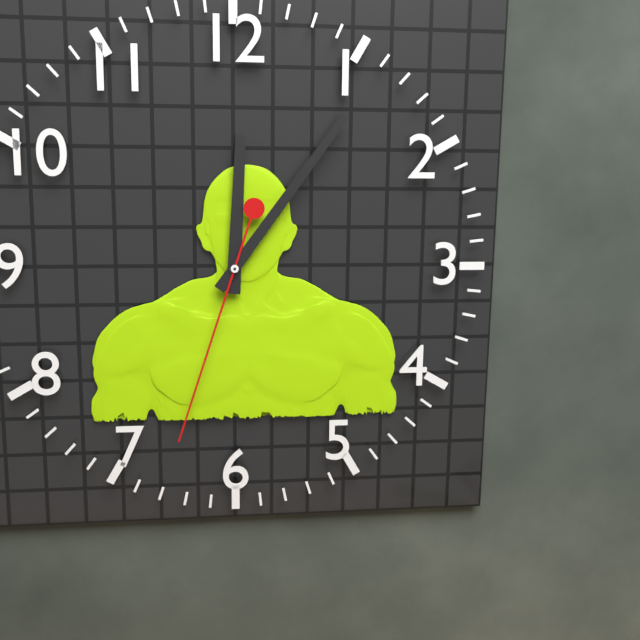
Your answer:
12 h 06 min 33 s
